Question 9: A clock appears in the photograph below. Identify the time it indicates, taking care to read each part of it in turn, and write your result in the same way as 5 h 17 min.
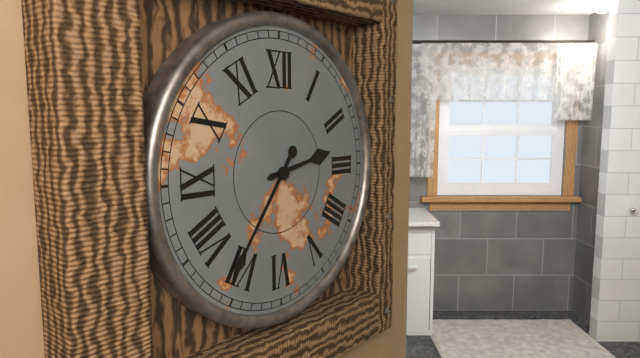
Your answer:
2 h 36 min
